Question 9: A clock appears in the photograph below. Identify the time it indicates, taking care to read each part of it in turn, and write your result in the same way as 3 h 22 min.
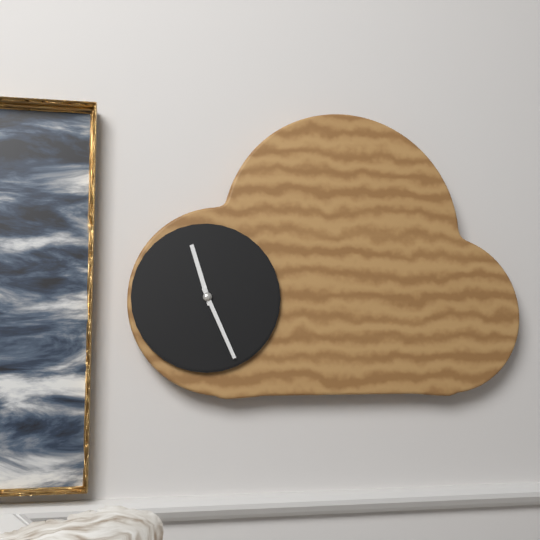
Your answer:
11 h 26 min
